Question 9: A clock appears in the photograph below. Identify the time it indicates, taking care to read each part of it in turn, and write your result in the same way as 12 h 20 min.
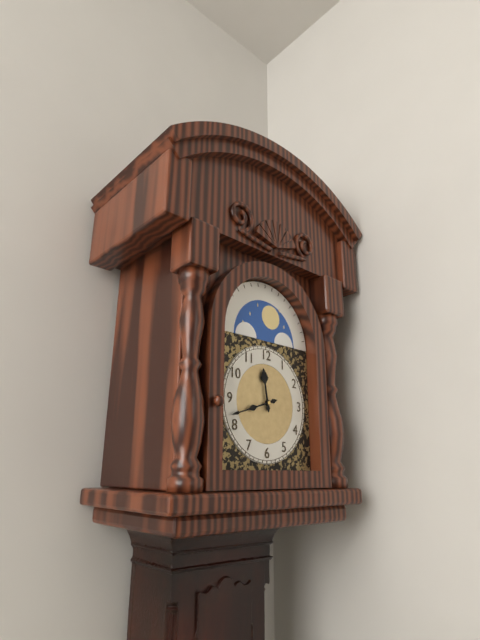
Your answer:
11 h 42 min
